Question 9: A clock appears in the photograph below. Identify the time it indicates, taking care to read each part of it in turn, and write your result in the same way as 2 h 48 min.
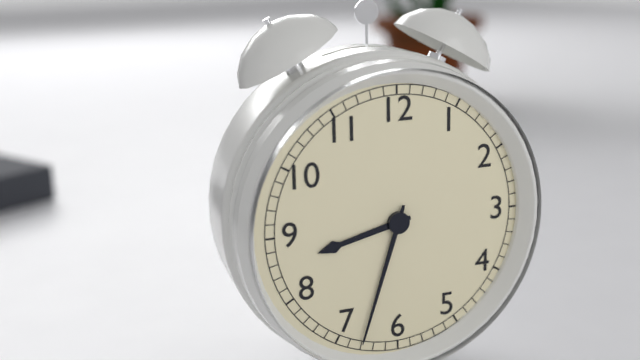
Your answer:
8 h 33 min
